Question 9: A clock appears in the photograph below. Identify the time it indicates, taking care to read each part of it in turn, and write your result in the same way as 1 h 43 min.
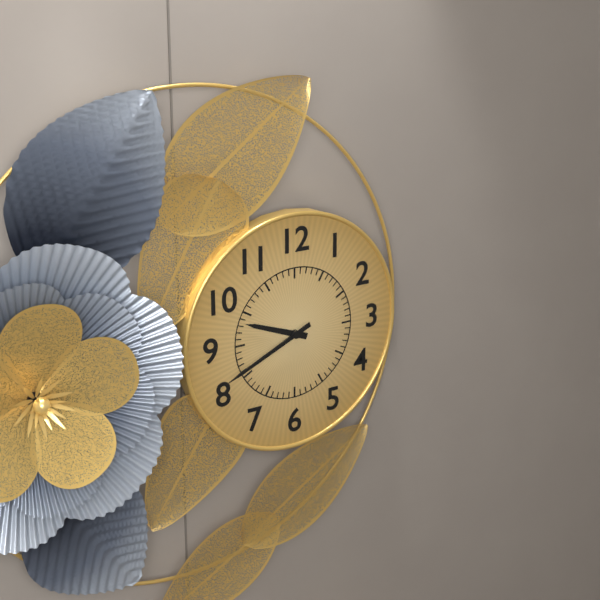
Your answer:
9 h 41 min
